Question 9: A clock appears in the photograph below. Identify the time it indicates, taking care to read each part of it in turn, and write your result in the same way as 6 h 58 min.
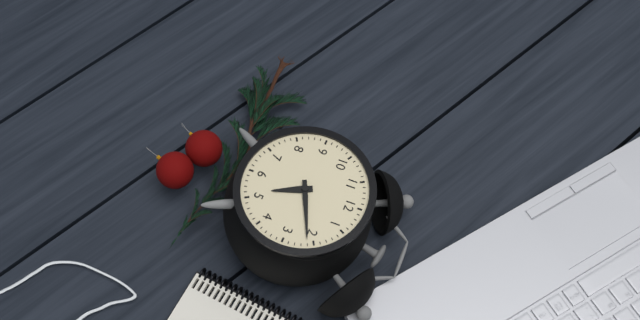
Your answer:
5 h 11 min
